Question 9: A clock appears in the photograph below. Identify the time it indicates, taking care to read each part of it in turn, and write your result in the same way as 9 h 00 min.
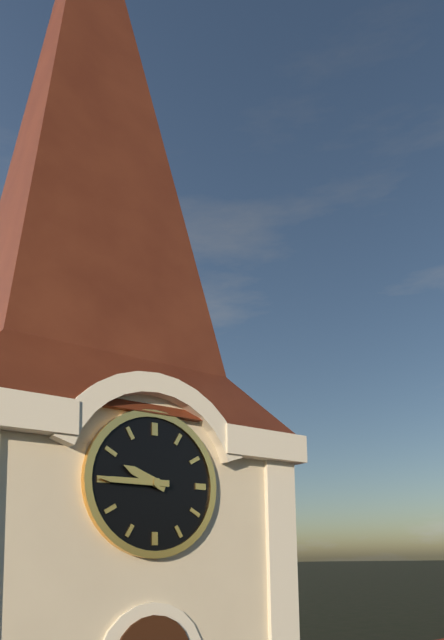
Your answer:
9 h 45 min
